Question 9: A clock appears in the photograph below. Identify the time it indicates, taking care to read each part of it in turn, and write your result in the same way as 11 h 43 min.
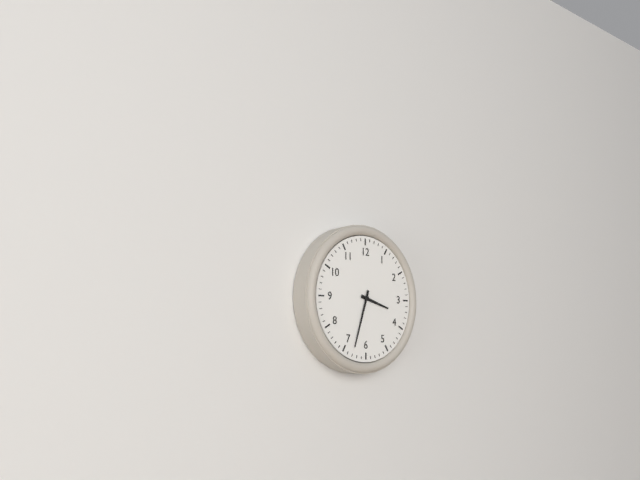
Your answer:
3 h 33 min
